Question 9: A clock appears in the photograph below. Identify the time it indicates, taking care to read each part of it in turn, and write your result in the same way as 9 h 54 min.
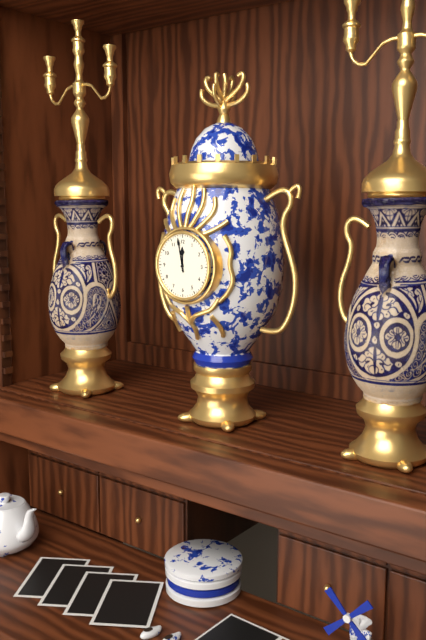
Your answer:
11 h 58 min
